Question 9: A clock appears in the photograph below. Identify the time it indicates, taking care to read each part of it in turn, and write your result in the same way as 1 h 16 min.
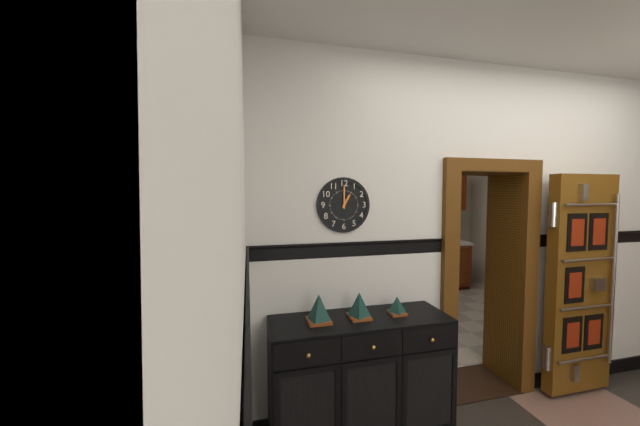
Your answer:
1 h 00 min
